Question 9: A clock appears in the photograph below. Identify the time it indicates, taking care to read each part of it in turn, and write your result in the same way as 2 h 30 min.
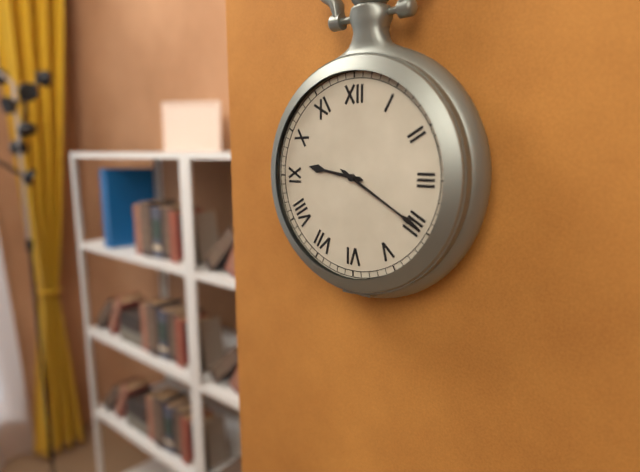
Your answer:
9 h 20 min
